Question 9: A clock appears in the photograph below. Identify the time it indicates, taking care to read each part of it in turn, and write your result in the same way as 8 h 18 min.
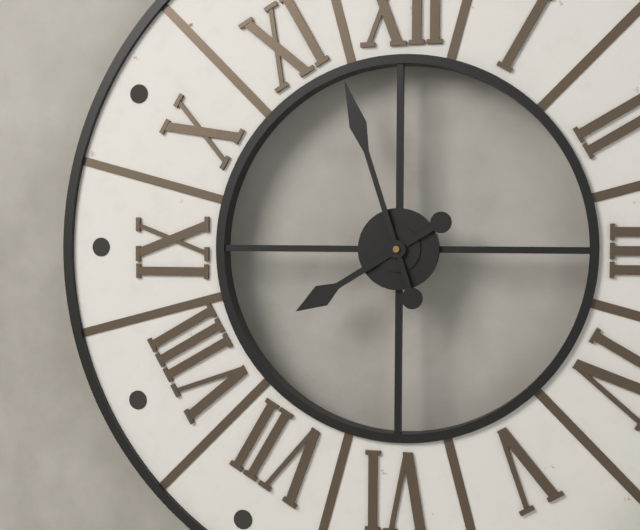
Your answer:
7 h 57 min
